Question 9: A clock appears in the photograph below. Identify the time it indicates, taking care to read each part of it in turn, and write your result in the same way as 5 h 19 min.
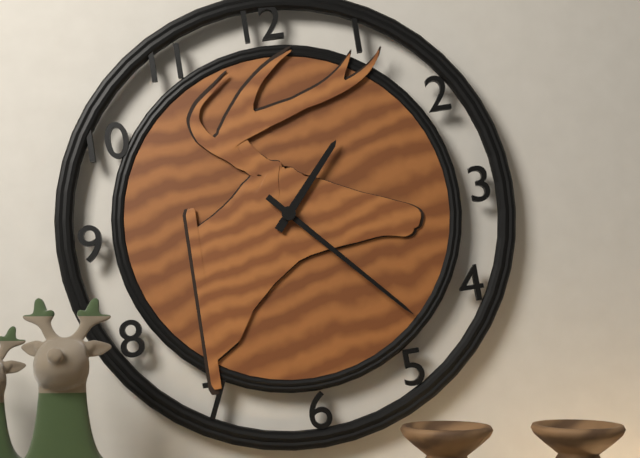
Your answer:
1 h 23 min
